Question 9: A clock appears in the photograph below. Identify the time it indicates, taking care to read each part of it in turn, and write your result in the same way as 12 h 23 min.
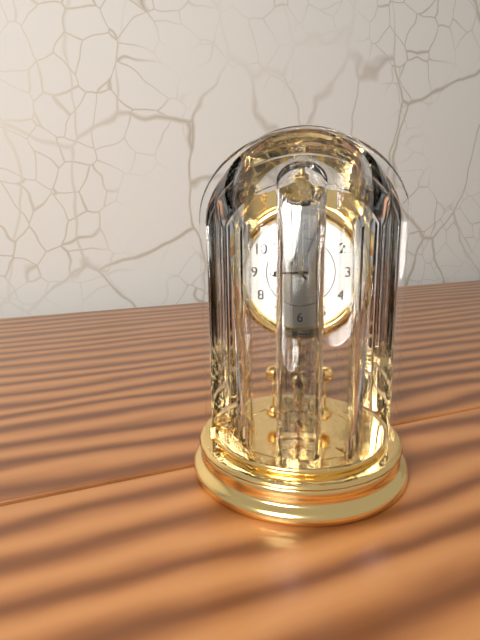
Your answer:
8 h 53 min
